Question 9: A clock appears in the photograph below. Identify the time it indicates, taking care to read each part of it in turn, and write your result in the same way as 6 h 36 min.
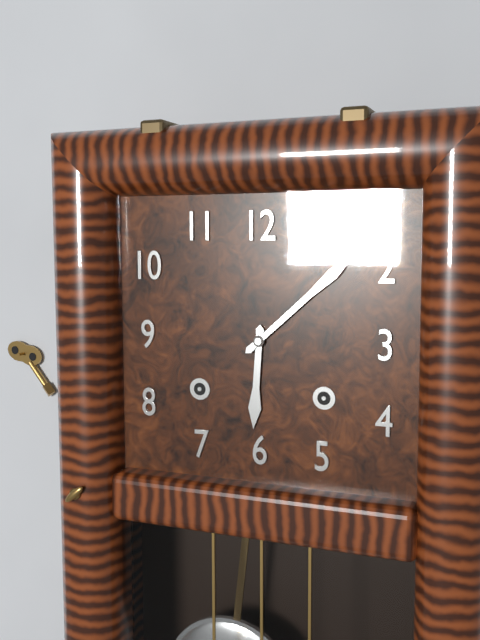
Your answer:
6 h 08 min
